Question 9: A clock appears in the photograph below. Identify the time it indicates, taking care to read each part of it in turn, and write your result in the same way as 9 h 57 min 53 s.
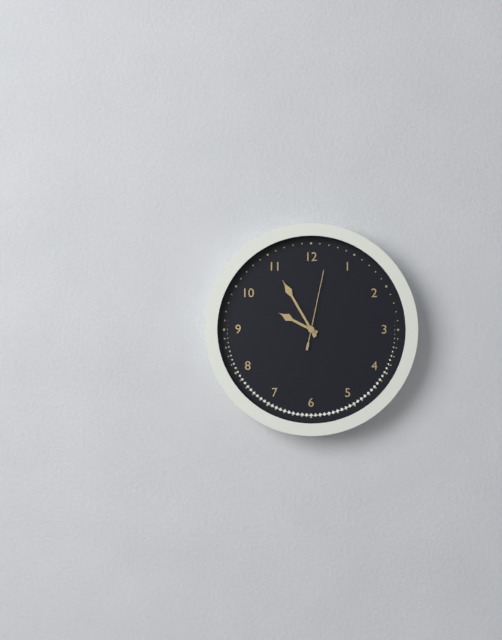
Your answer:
9 h 55 min 02 s
